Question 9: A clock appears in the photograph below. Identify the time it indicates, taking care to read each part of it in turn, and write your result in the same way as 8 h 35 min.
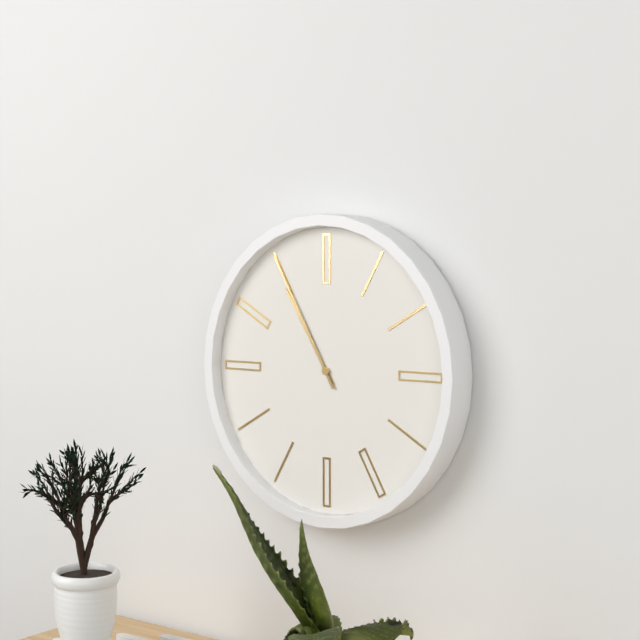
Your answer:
10 h 55 min
